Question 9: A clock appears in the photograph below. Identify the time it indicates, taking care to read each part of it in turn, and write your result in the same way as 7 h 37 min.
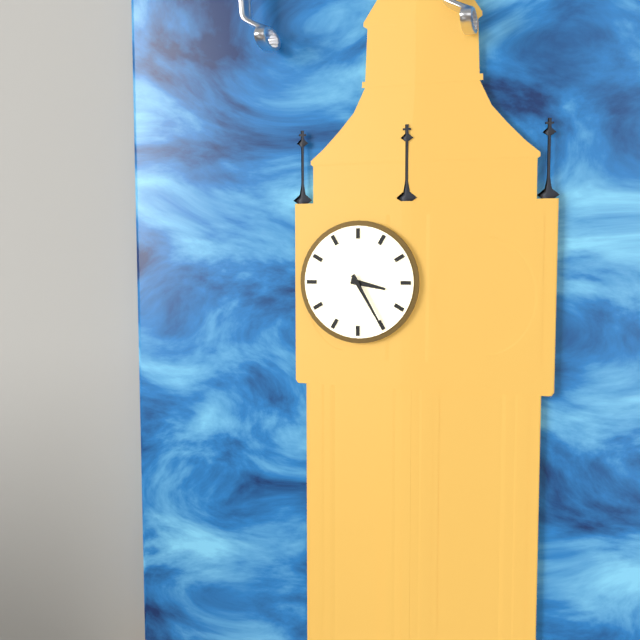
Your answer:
3 h 25 min
